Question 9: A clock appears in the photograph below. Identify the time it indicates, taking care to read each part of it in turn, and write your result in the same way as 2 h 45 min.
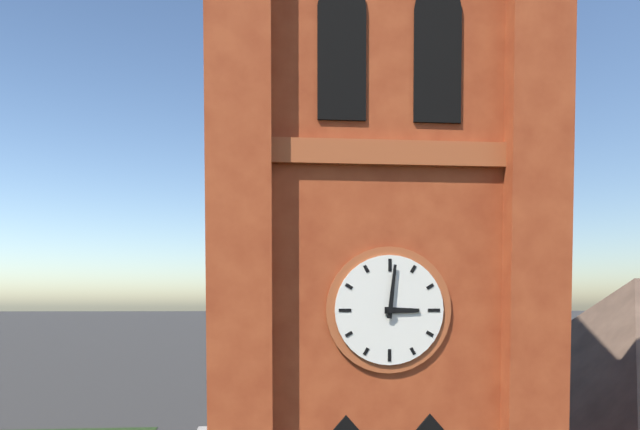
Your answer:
3 h 01 min
